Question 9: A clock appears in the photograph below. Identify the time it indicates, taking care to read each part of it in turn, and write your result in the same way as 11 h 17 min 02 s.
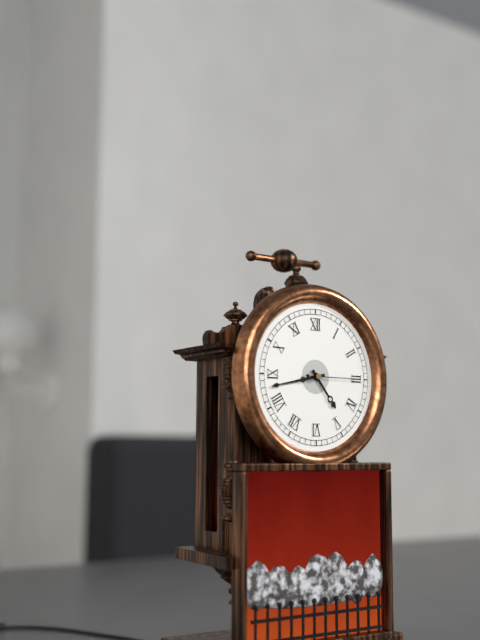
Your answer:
4 h 43 min 15 s
